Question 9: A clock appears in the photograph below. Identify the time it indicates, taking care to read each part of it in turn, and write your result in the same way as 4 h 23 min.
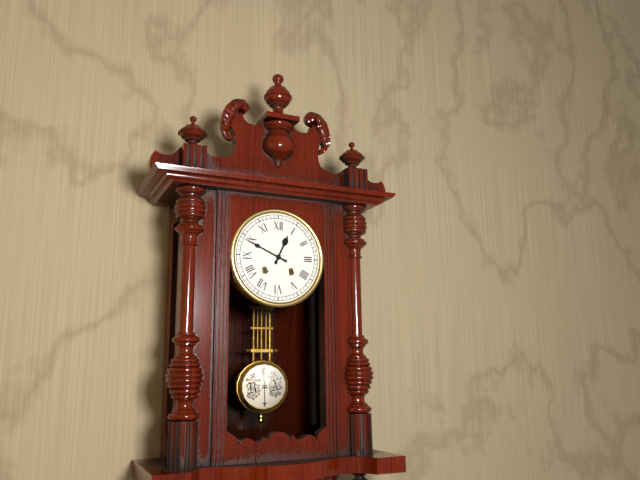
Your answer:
12 h 49 min
